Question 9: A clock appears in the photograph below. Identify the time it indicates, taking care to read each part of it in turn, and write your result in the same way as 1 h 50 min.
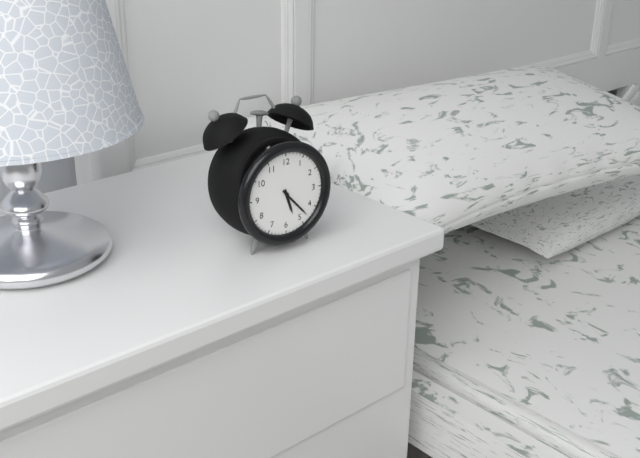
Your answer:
5 h 23 min
